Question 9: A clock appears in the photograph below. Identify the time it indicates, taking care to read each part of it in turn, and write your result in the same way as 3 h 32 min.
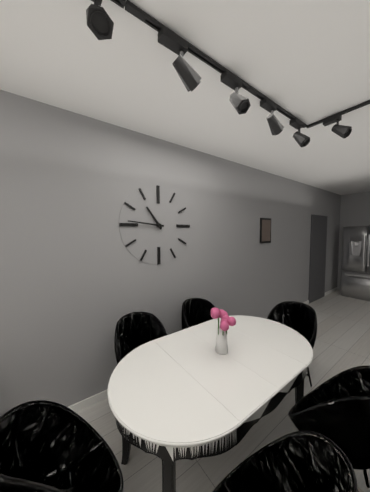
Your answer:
10 h 46 min
